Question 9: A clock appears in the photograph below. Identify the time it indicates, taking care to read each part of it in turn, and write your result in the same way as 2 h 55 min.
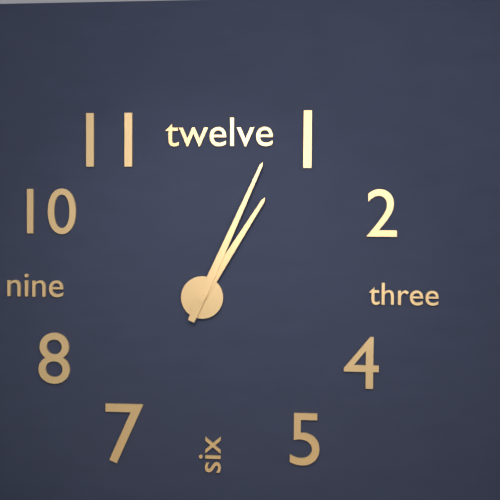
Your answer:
1 h 04 min
